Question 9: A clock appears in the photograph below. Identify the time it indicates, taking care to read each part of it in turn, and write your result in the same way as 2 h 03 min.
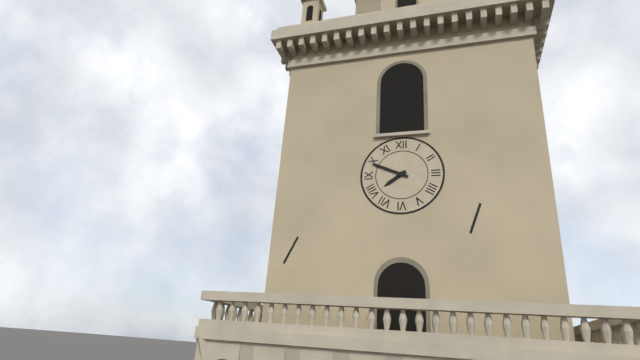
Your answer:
7 h 49 min
